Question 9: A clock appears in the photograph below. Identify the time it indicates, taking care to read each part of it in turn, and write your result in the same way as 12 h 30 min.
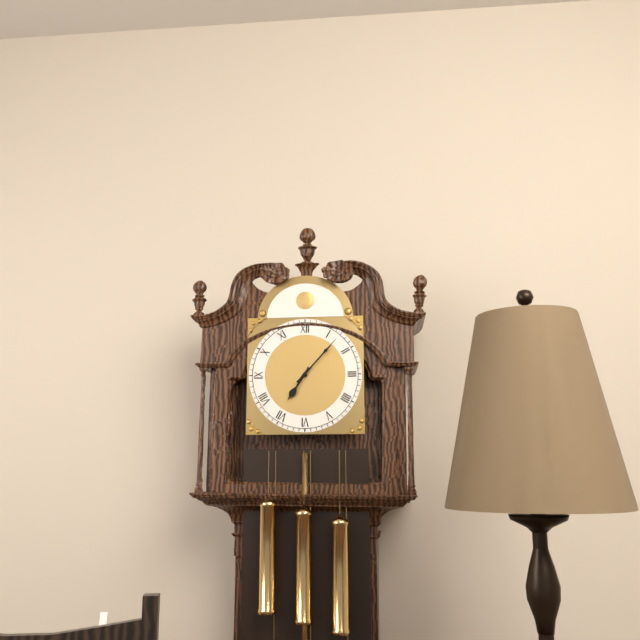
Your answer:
7 h 07 min
